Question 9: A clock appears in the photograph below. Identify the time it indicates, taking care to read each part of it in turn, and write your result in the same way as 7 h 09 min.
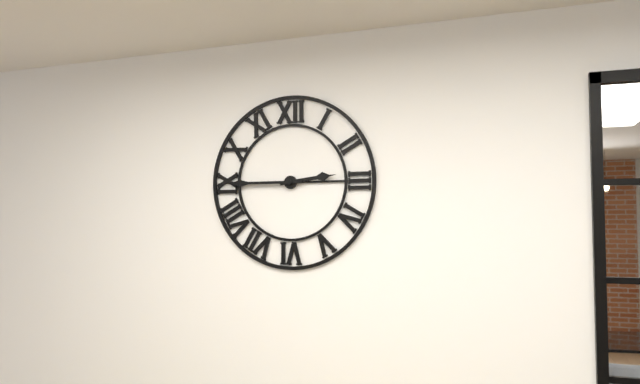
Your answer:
2 h 45 min
